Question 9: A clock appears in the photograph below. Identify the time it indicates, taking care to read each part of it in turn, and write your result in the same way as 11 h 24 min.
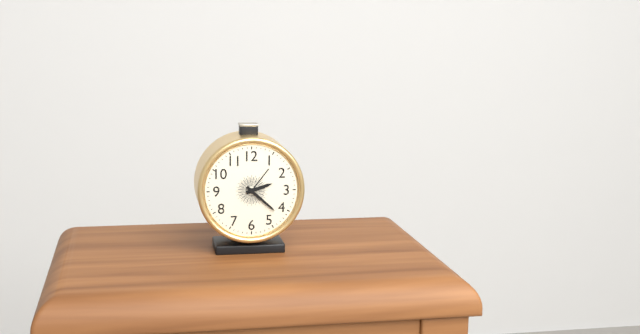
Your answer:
2 h 22 min
